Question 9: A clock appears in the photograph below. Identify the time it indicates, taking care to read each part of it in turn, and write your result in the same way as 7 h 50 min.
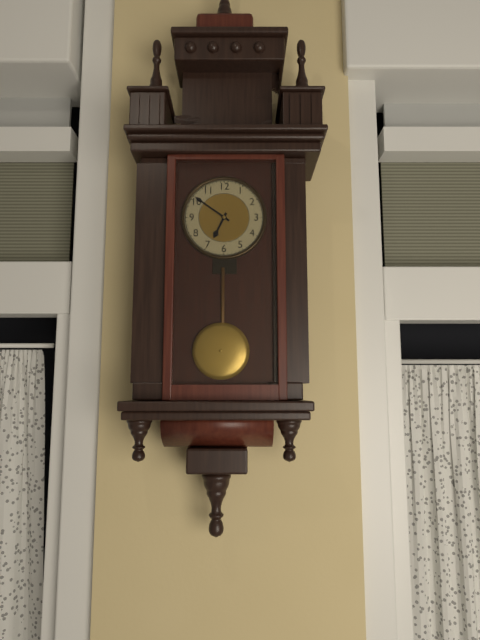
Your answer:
6 h 51 min
